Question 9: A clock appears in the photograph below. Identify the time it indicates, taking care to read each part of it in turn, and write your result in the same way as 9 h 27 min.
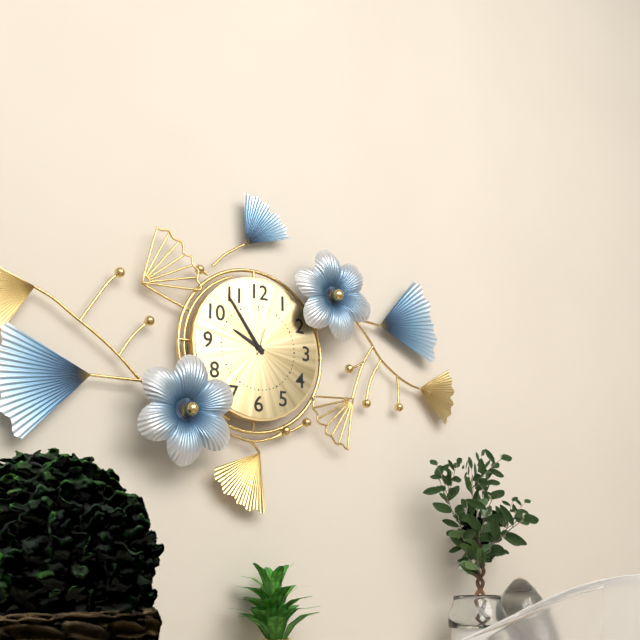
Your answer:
9 h 54 min
